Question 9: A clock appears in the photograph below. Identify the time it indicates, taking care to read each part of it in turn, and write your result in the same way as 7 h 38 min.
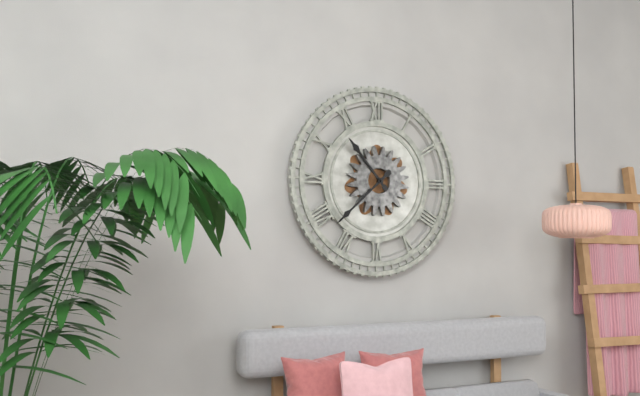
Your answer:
10 h 38 min
